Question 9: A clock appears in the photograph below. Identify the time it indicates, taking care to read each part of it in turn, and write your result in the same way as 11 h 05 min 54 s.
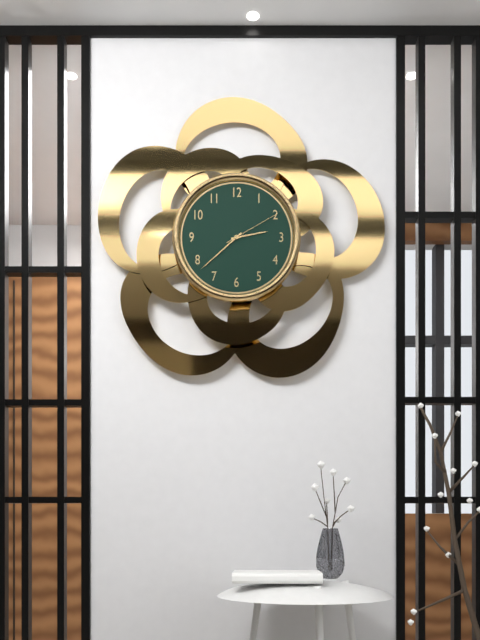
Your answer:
2 h 38 min 10 s
